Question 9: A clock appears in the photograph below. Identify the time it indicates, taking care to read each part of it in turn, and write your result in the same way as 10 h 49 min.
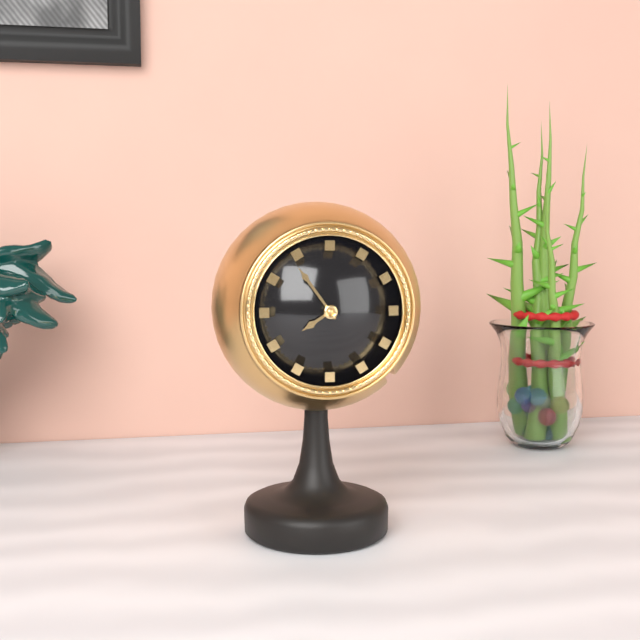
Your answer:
7 h 54 min
